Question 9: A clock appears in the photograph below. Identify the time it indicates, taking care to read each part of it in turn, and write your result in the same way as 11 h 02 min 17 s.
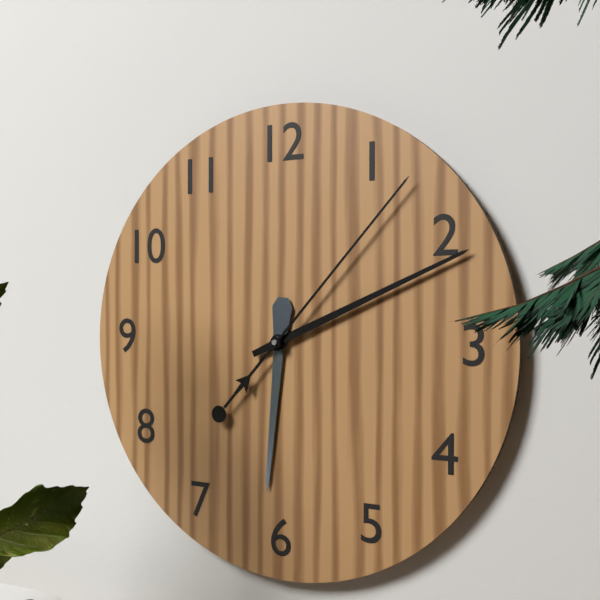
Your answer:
6 h 11 min 07 s
